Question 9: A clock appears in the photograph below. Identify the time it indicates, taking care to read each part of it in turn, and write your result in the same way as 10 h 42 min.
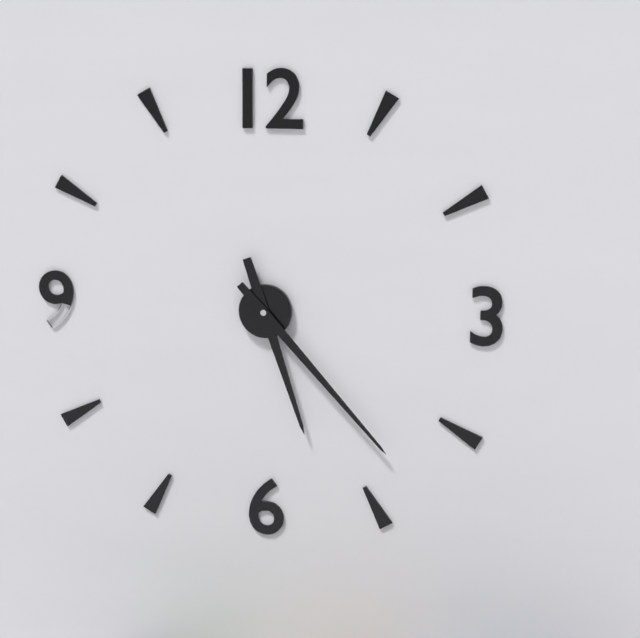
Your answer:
5 h 23 min
